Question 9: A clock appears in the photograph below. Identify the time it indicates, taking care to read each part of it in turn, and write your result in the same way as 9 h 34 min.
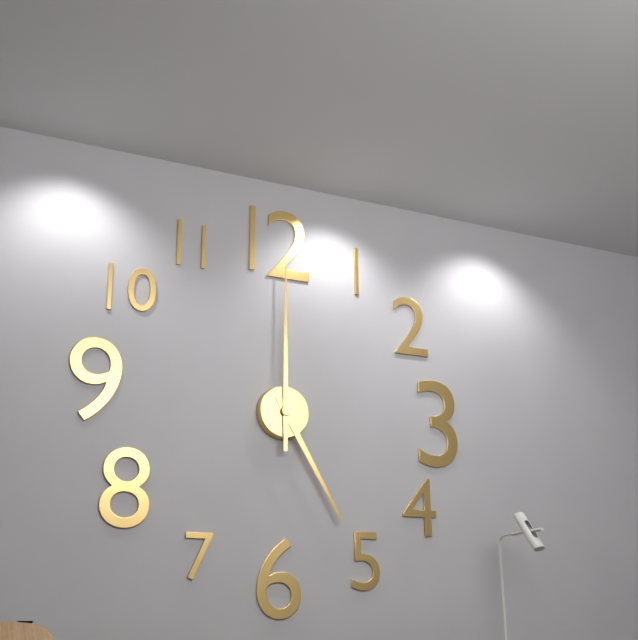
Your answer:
5 h 00 min
